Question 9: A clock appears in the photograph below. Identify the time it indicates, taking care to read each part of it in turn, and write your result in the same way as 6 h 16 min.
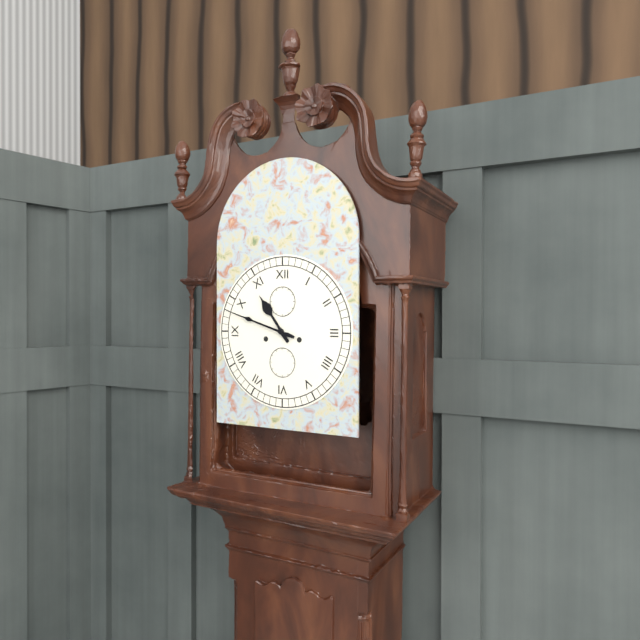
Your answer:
10 h 48 min
